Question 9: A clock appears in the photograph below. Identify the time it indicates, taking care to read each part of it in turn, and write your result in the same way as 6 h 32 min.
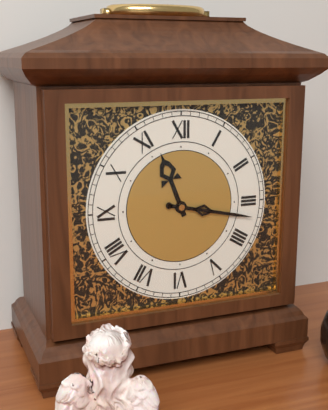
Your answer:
11 h 17 min
